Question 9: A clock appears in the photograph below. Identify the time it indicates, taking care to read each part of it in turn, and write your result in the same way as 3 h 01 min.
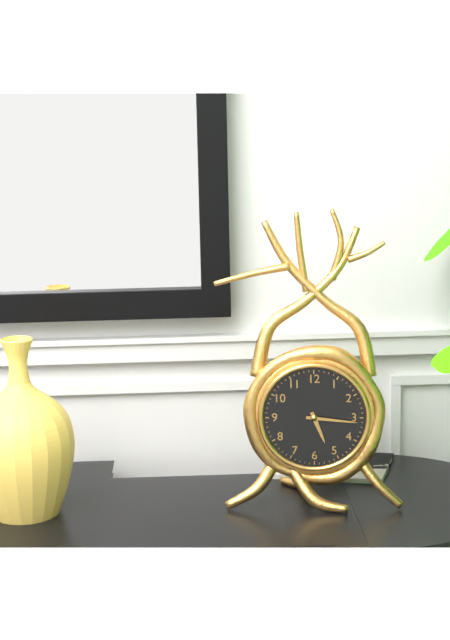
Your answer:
5 h 16 min
